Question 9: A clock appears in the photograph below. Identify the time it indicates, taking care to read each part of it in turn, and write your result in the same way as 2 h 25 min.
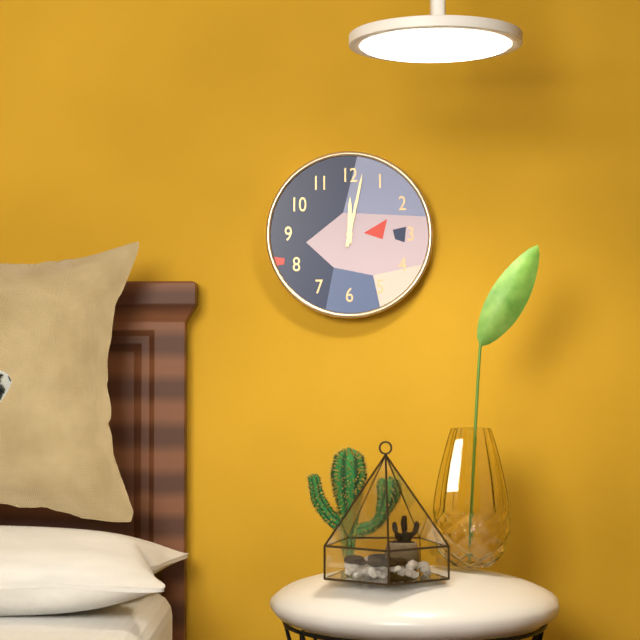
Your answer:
12 h 02 min
